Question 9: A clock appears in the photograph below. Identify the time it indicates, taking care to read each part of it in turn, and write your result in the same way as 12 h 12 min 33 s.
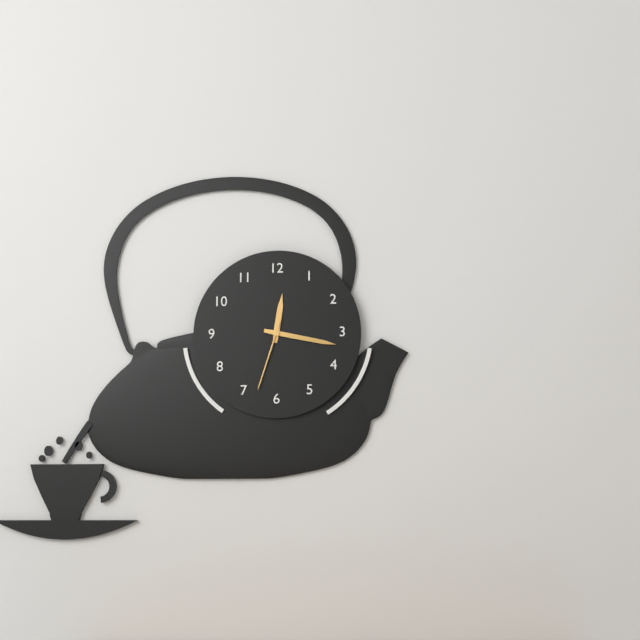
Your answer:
12 h 17 min 33 s
